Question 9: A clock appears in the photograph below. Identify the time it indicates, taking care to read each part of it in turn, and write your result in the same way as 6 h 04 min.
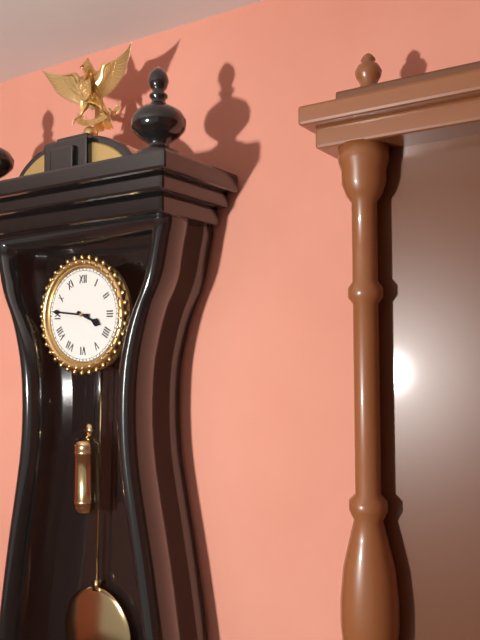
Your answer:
3 h 46 min
